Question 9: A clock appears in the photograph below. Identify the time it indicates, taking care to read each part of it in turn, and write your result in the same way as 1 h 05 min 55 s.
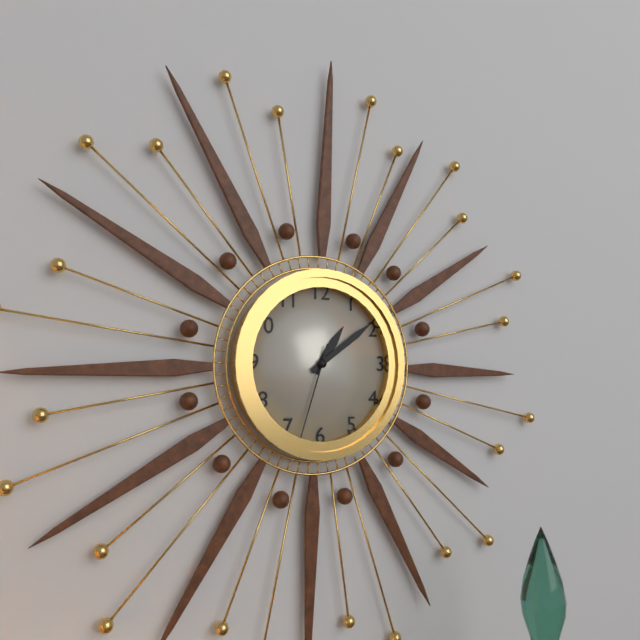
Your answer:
1 h 09 min 33 s
